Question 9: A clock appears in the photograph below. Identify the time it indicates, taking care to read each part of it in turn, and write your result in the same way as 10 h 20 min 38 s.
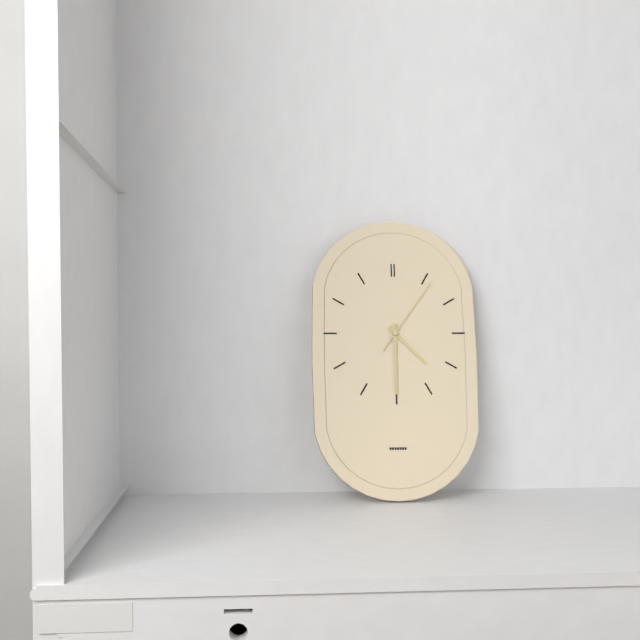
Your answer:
4 h 30 min 06 s
